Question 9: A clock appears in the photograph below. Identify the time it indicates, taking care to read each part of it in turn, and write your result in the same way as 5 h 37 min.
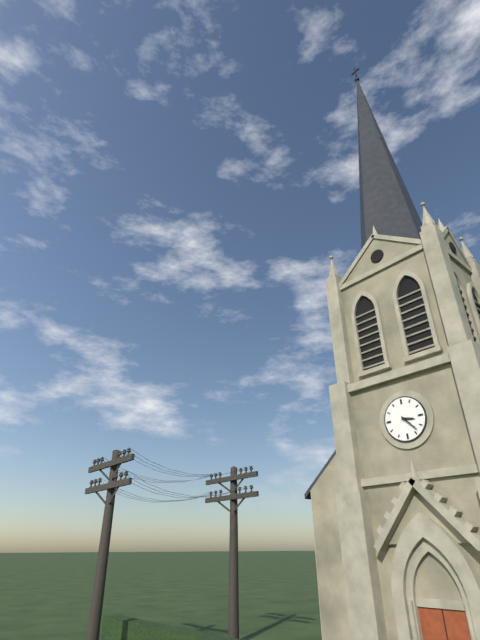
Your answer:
3 h 23 min
